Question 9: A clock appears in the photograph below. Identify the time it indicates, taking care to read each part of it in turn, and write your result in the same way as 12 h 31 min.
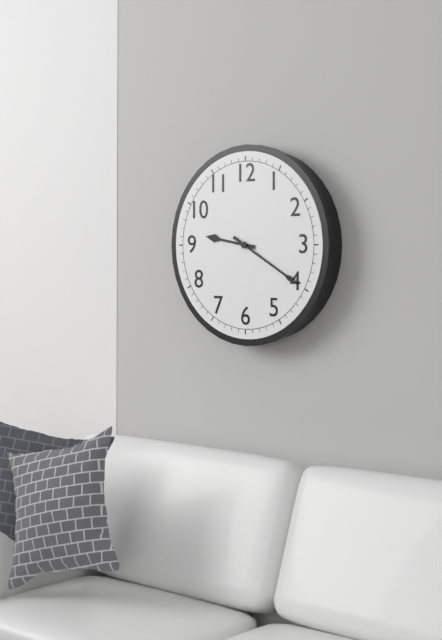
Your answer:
9 h 20 min
